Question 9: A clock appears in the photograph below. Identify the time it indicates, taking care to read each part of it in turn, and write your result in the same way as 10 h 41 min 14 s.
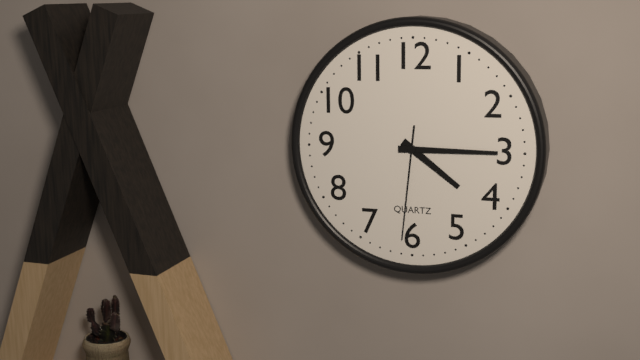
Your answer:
4 h 15 min 31 s
